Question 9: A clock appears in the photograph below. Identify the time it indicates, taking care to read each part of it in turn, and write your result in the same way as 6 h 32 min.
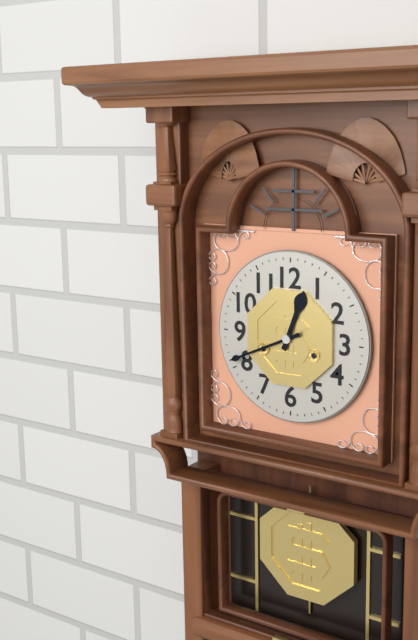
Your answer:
12 h 41 min
